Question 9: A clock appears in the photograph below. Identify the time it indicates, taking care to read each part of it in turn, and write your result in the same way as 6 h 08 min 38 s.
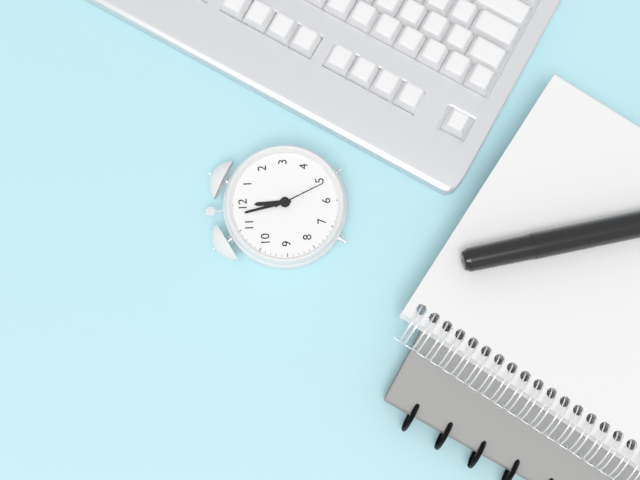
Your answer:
11 h 58 min 26 s
